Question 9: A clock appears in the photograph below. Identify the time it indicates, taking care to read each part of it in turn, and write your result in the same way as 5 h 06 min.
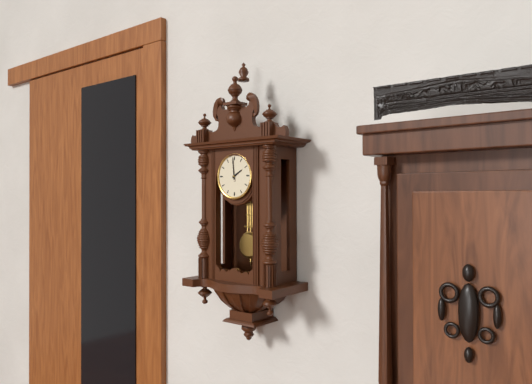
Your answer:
1 h 59 min
